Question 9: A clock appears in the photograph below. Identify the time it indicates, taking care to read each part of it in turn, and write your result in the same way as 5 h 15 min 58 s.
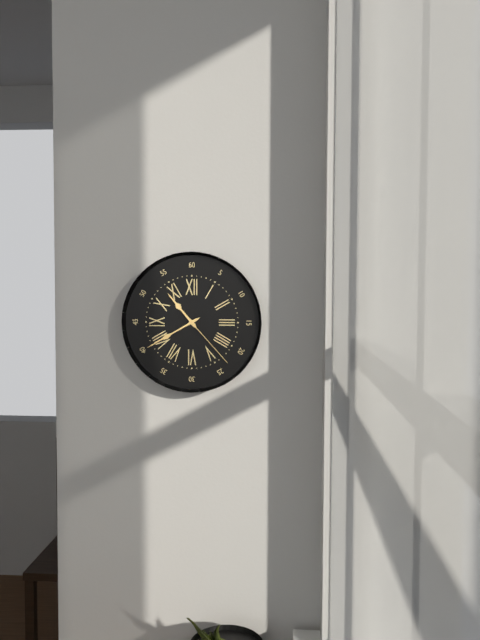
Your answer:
10 h 40 min 23 s
